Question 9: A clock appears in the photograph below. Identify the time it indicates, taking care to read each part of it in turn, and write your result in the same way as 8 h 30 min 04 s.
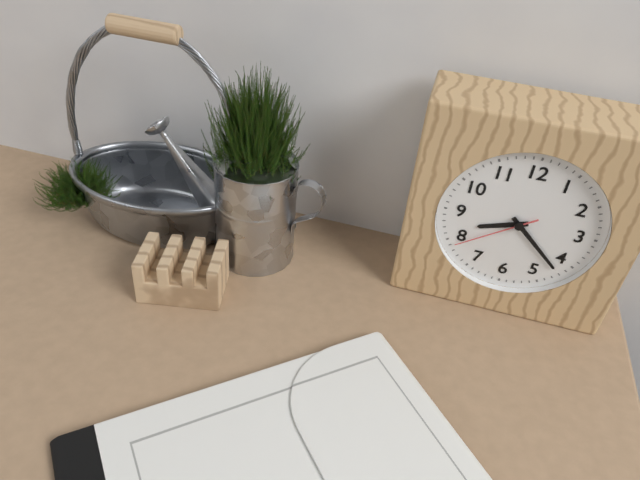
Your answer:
8 h 22 min 39 s
